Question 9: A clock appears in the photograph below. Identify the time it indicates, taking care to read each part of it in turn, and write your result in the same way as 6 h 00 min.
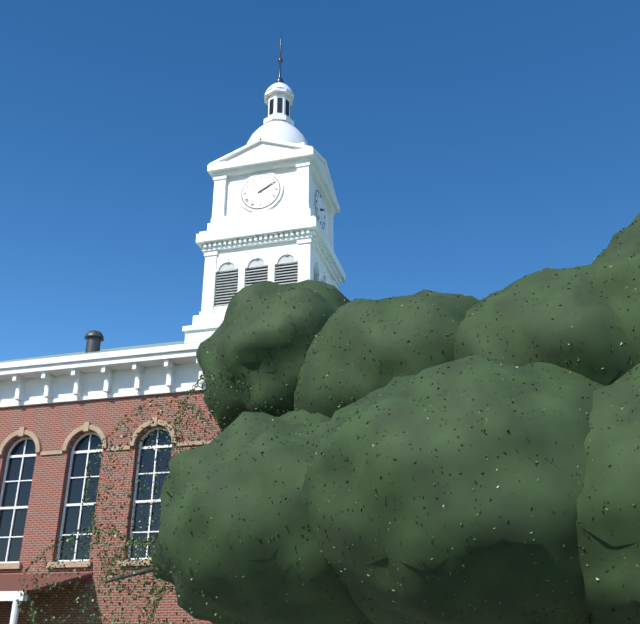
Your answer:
2 h 10 min
